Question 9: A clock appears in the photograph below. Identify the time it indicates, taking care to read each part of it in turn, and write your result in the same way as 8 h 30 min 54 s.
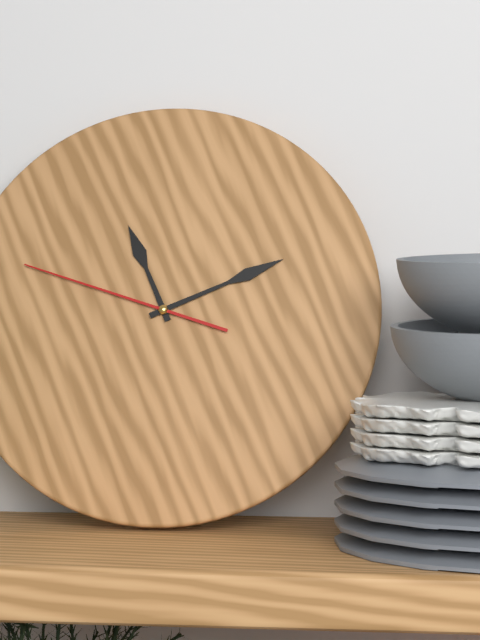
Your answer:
11 h 11 min 48 s
